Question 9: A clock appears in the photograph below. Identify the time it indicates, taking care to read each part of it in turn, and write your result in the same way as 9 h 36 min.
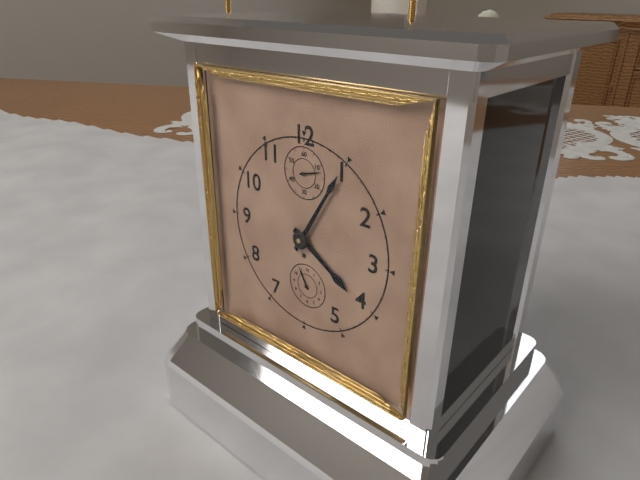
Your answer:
4 h 05 min
